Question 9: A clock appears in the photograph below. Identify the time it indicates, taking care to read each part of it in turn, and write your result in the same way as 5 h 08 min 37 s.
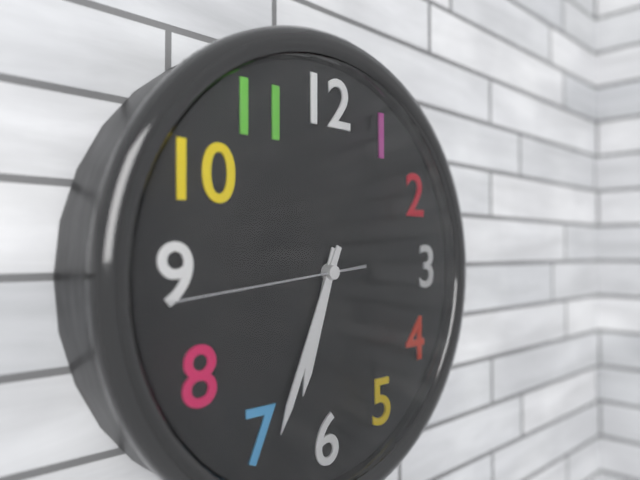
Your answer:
6 h 34 min 44 s
